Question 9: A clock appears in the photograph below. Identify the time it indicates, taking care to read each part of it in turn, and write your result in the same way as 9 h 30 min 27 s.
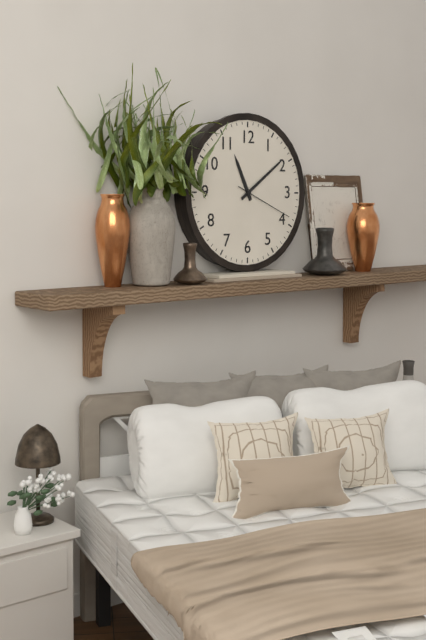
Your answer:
11 h 09 min 19 s
